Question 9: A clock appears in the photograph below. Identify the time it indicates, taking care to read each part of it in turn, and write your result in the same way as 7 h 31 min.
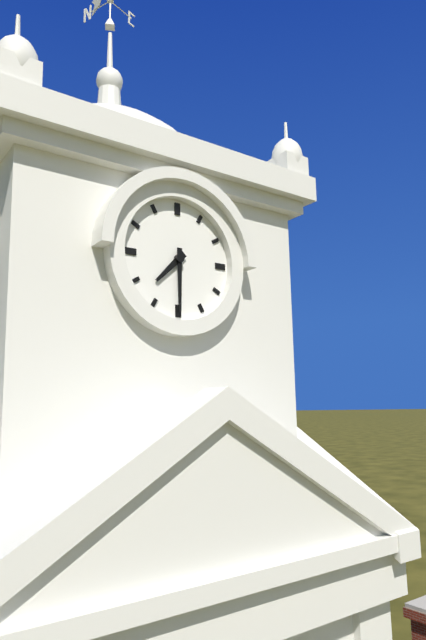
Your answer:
7 h 30 min
